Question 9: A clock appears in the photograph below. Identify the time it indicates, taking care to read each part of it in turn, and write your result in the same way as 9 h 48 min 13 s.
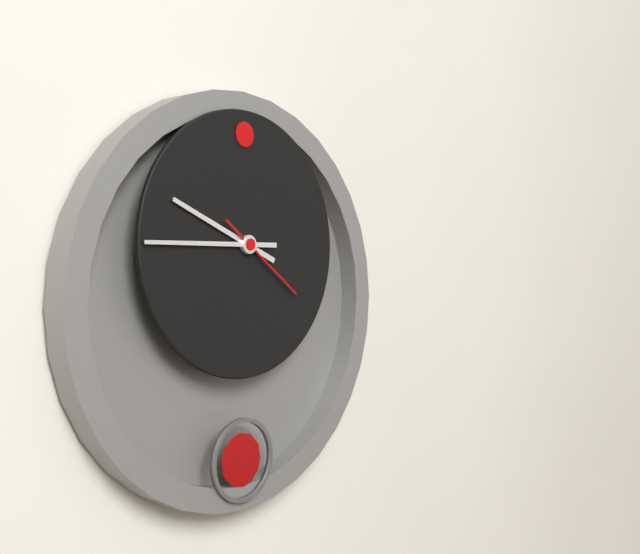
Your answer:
9 h 45 min 21 s
